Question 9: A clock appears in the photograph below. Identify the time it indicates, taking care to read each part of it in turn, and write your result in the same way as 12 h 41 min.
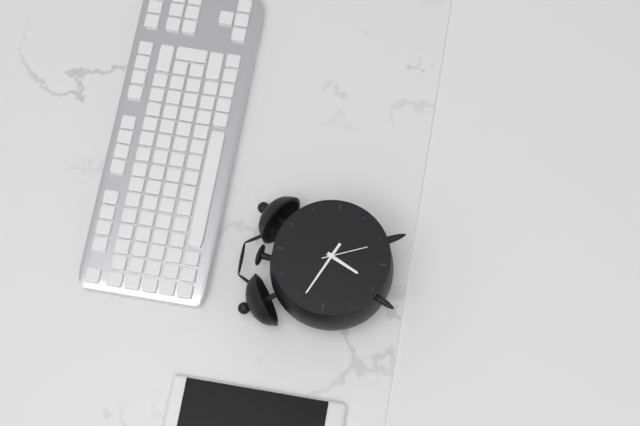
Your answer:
6 h 49 min
